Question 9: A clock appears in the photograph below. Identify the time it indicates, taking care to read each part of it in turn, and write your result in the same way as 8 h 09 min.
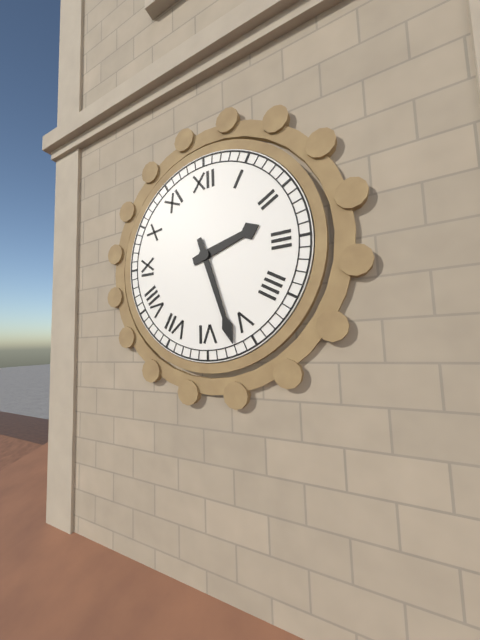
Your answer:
2 h 27 min
